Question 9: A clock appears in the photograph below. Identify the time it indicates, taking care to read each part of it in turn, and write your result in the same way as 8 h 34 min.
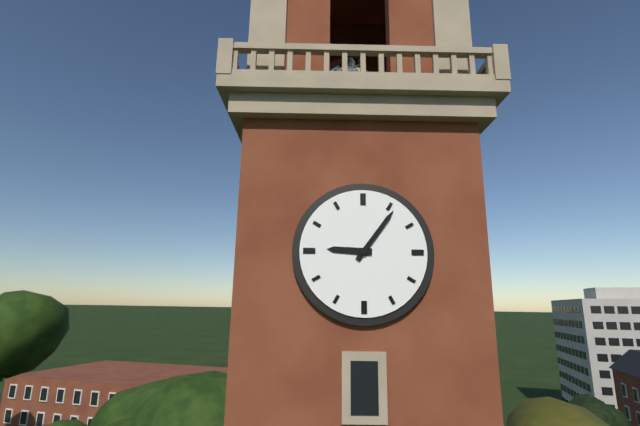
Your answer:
9 h 06 min
